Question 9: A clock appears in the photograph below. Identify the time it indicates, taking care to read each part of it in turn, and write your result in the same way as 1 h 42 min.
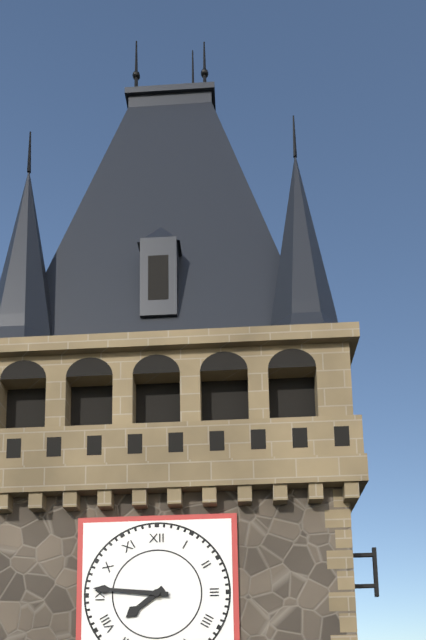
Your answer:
7 h 46 min
